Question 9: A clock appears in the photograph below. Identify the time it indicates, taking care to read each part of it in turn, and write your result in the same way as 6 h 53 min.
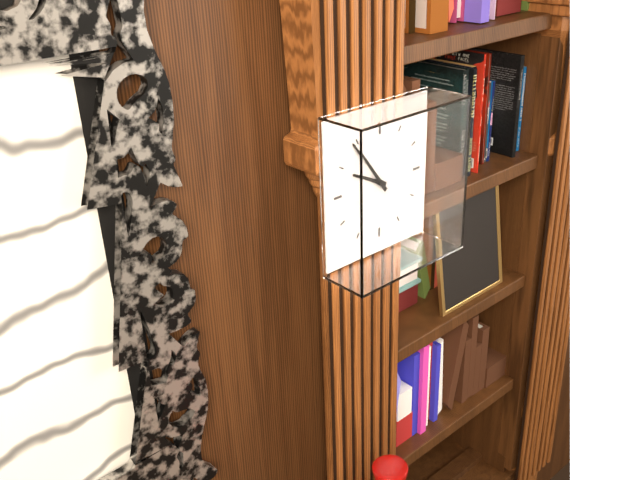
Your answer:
9 h 54 min
